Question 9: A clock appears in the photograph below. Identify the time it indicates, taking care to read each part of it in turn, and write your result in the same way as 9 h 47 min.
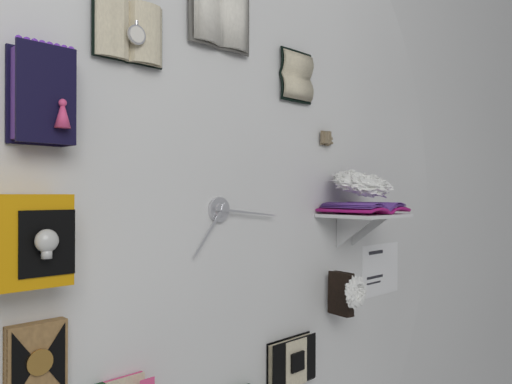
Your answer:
7 h 16 min
